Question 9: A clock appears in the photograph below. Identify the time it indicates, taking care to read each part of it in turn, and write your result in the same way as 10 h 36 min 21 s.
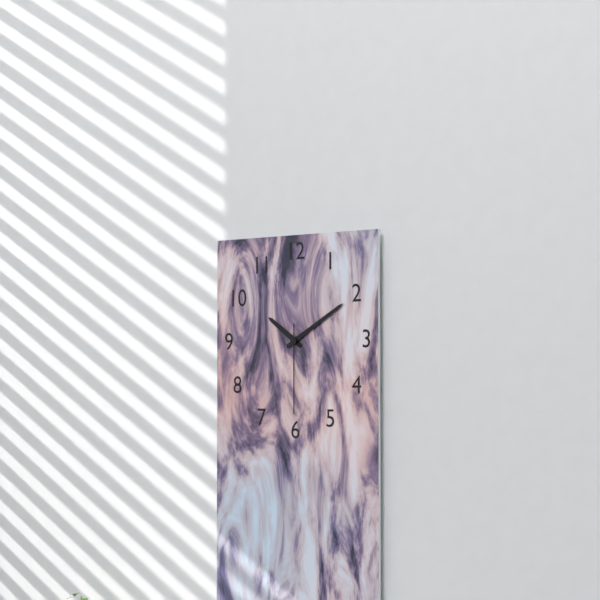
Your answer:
10 h 10 min 30 s
